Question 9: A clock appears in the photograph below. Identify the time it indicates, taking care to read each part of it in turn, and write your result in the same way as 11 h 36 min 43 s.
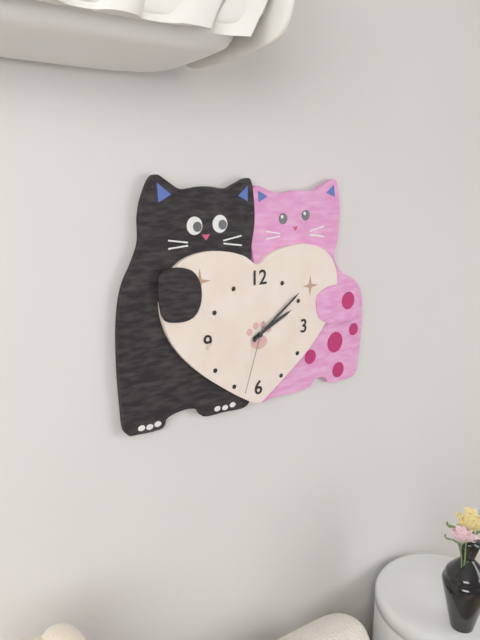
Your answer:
2 h 09 min 33 s
